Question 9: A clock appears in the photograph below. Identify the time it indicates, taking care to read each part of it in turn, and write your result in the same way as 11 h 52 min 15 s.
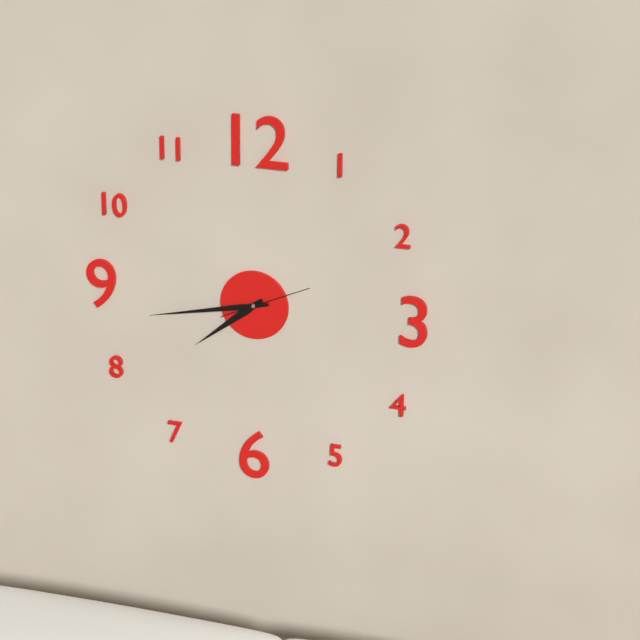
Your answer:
7 h 43 min 11 s
